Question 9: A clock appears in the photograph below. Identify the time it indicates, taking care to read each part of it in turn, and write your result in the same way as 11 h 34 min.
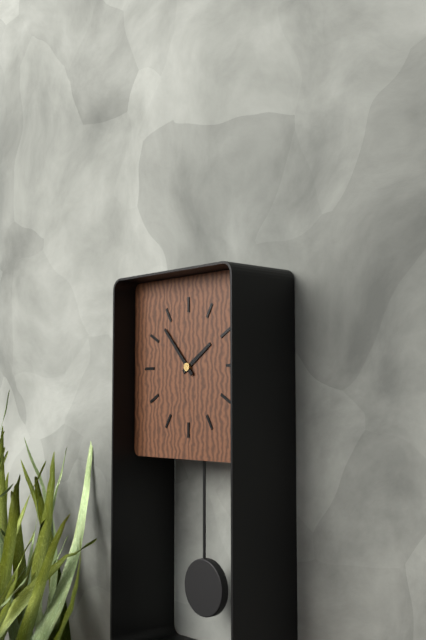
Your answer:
1 h 53 min
